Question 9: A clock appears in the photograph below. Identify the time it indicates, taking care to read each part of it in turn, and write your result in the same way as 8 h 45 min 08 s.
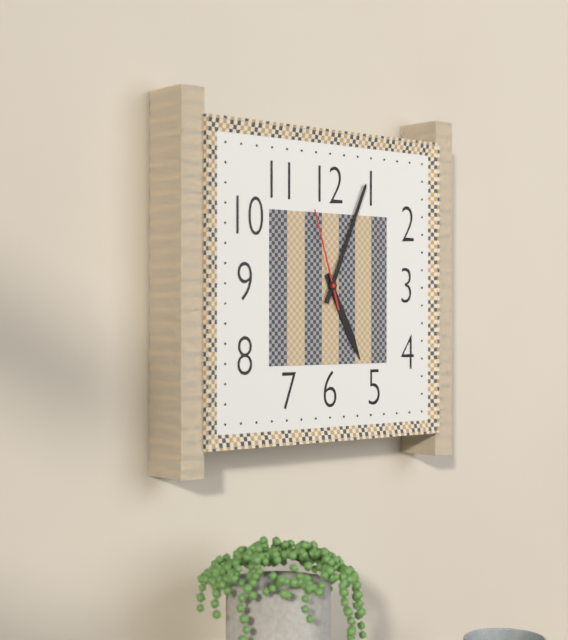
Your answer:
5 h 04 min 57 s
